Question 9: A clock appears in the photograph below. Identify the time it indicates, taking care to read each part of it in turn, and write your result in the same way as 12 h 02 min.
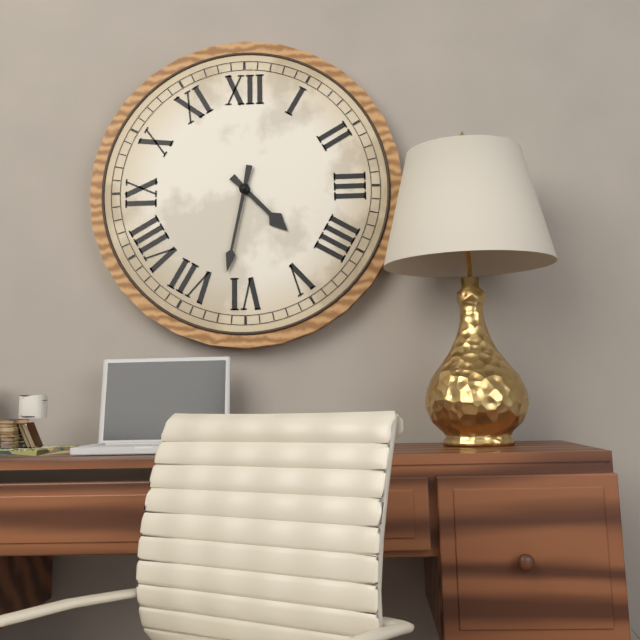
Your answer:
4 h 32 min
